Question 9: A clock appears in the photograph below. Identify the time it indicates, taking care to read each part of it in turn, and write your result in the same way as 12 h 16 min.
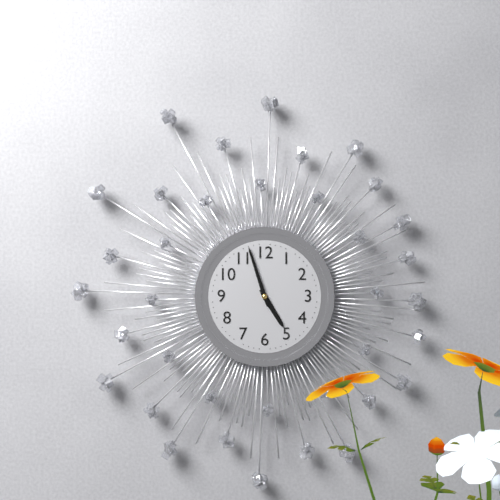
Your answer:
4 h 57 min
